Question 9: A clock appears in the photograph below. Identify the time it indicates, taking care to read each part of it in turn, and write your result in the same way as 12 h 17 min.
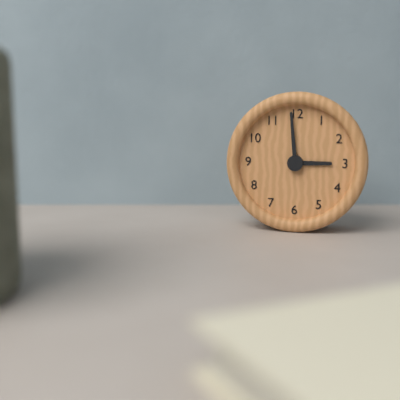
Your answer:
2 h 59 min
